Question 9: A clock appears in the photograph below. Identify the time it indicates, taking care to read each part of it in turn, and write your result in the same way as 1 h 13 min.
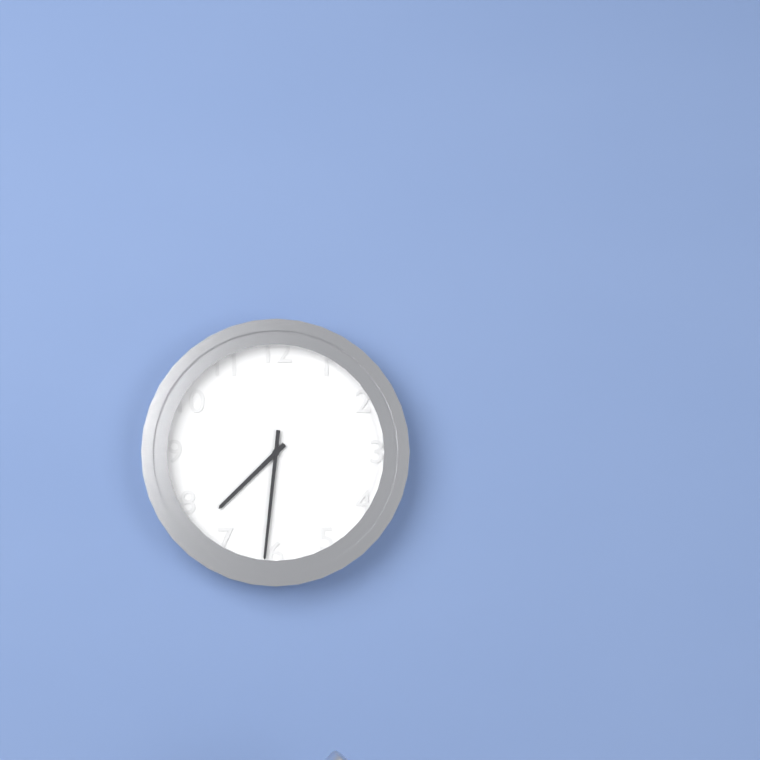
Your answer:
7 h 31 min
